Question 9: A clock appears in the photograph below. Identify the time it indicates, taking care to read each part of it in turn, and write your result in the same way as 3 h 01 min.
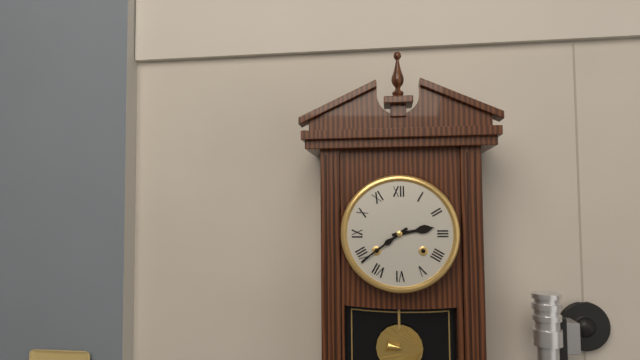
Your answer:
2 h 39 min
